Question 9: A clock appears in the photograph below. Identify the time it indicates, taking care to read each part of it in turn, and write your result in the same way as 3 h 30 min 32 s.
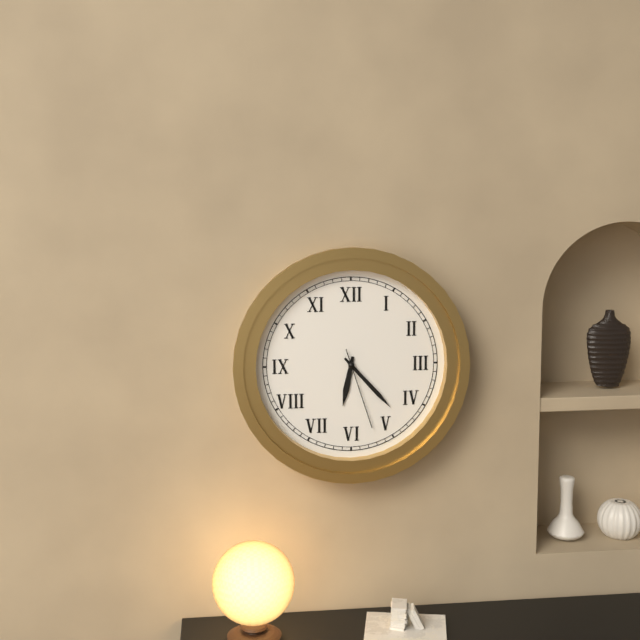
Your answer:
6 h 23 min 27 s
